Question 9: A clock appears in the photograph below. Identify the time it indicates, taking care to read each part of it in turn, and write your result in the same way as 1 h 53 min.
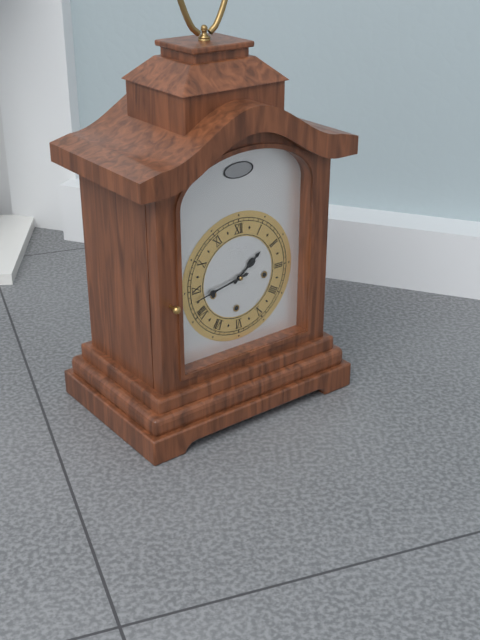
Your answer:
1 h 43 min
